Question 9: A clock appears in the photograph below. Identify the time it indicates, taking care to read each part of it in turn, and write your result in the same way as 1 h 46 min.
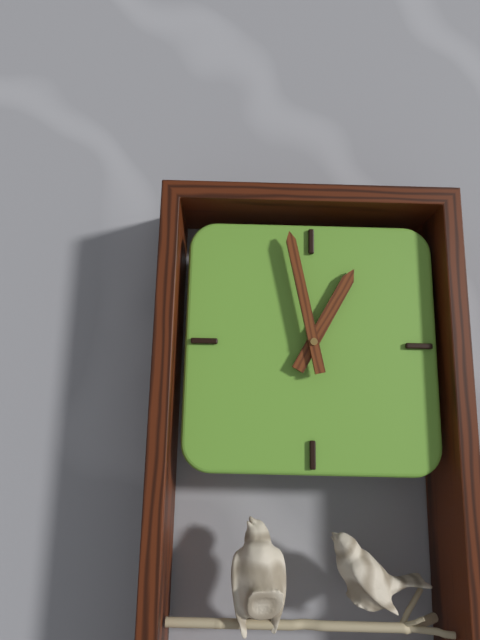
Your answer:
12 h 58 min
